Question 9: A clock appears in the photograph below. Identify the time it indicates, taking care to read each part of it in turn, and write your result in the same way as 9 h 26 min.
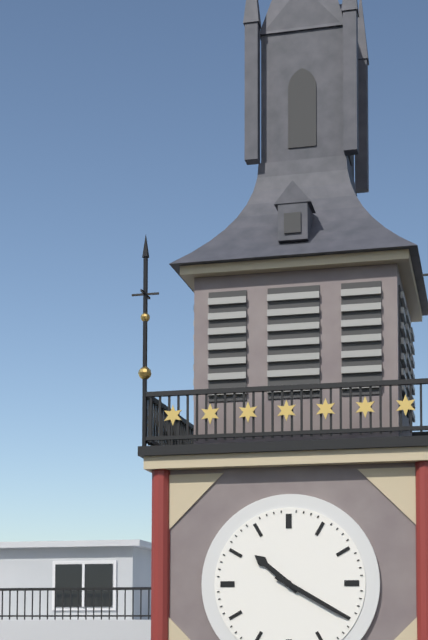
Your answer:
10 h 20 min
